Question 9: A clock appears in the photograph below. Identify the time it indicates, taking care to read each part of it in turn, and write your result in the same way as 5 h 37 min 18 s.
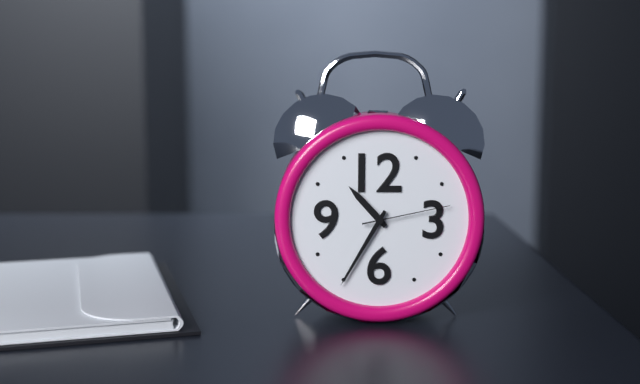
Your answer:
10 h 35 min 13 s
